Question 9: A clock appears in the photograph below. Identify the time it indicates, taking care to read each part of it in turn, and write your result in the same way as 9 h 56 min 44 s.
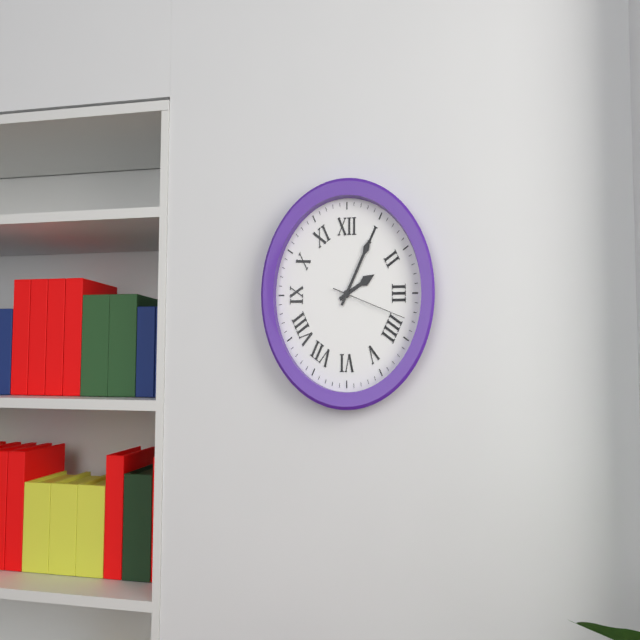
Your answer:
2 h 05 min 18 s
